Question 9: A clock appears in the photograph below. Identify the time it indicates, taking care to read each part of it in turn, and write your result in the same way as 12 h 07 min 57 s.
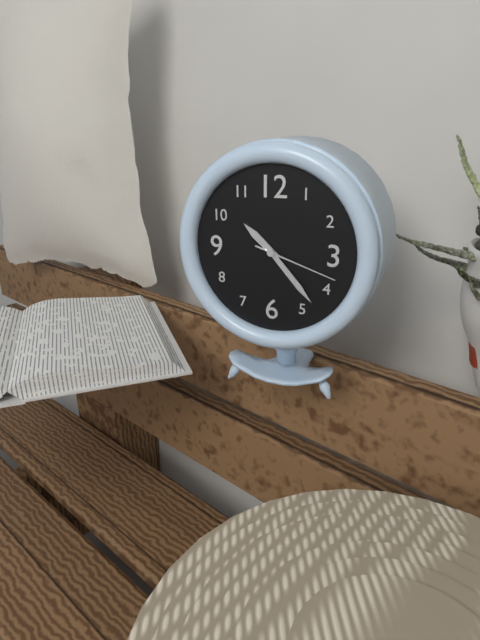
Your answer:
10 h 23 min 18 s
